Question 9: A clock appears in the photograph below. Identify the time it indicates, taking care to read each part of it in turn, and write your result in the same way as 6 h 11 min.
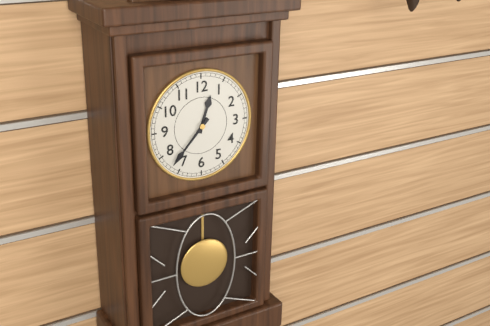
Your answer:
12 h 37 min
